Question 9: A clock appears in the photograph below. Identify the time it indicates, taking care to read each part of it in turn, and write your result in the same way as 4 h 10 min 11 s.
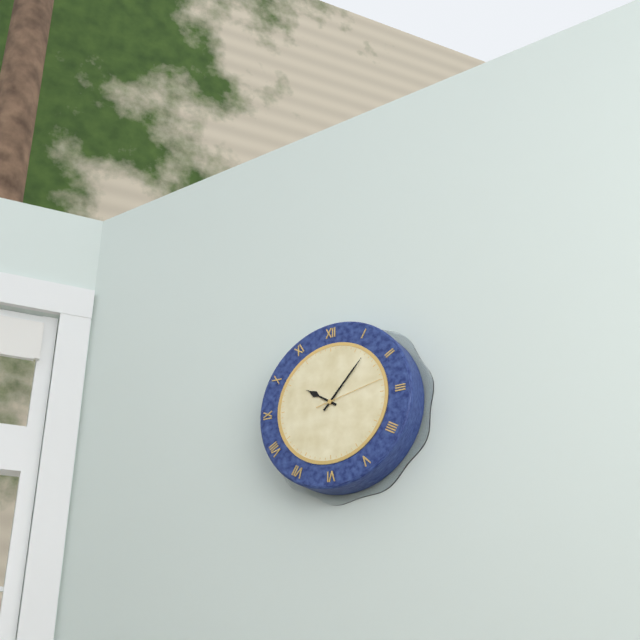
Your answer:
10 h 07 min 13 s
